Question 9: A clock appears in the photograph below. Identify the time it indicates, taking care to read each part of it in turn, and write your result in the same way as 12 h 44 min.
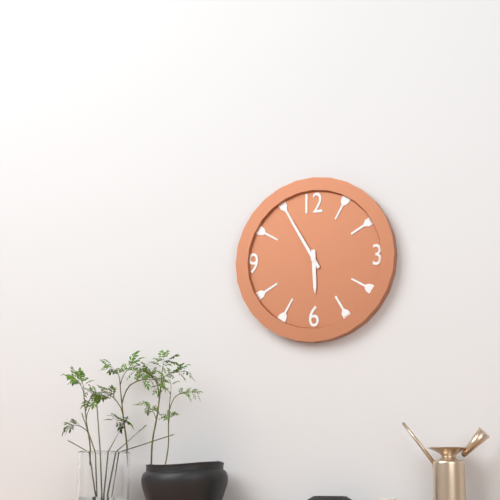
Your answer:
5 h 55 min
